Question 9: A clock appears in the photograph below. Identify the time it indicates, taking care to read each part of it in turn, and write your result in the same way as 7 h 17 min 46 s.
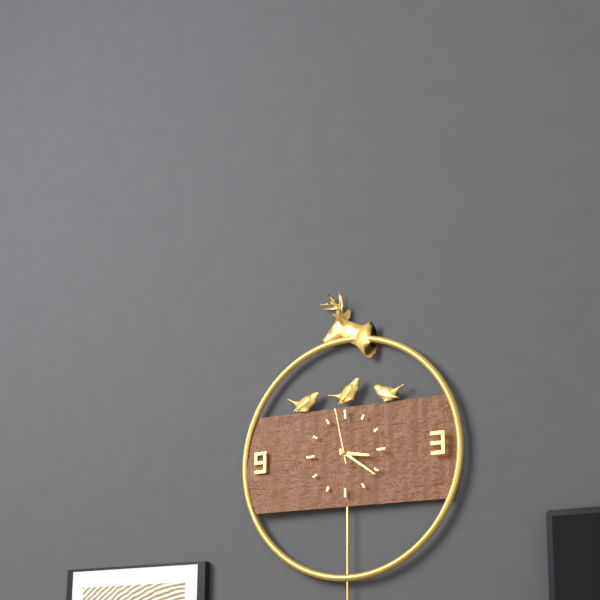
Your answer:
3 h 21 min 58 s
